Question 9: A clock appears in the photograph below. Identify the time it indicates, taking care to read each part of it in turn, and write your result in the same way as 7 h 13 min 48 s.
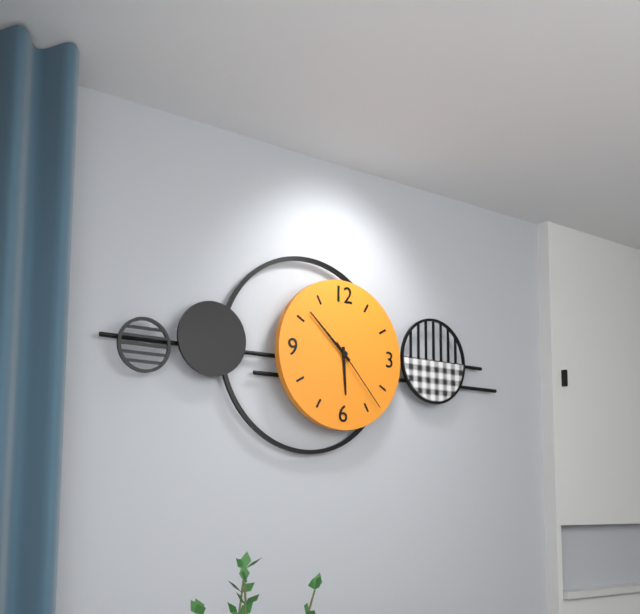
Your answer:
5 h 52 min 23 s
